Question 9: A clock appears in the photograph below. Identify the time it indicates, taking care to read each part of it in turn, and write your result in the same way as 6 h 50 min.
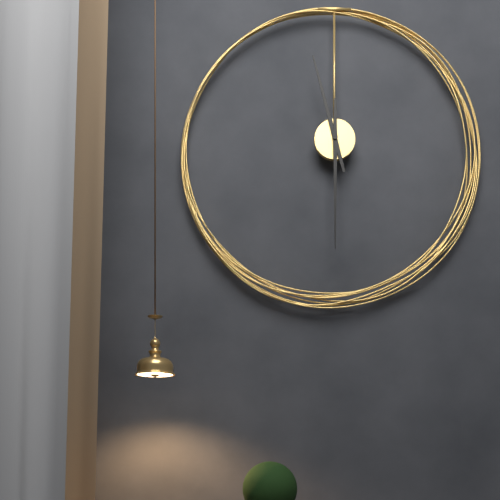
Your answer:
11 h 30 min
